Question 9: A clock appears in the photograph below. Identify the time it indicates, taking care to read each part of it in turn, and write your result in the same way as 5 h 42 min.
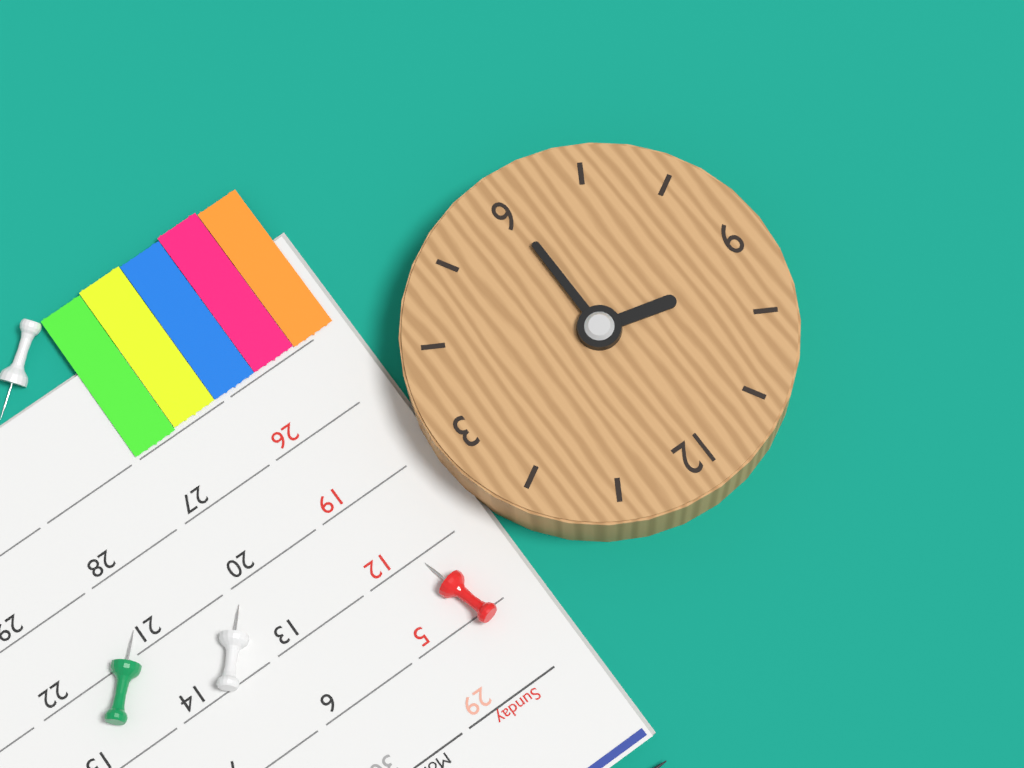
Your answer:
9 h 30 min
